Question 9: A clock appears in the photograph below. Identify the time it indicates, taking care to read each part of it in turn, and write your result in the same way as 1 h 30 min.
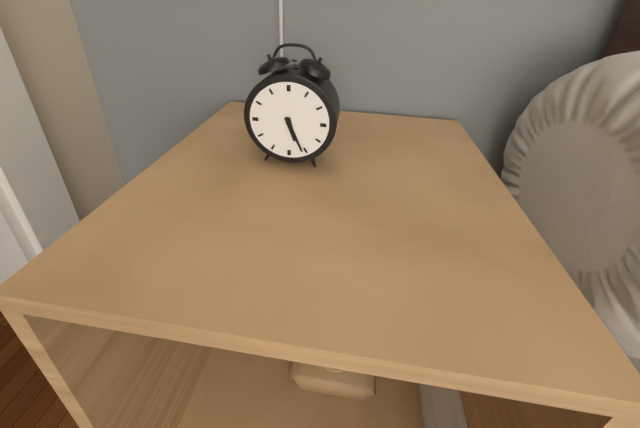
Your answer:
5 h 26 min
